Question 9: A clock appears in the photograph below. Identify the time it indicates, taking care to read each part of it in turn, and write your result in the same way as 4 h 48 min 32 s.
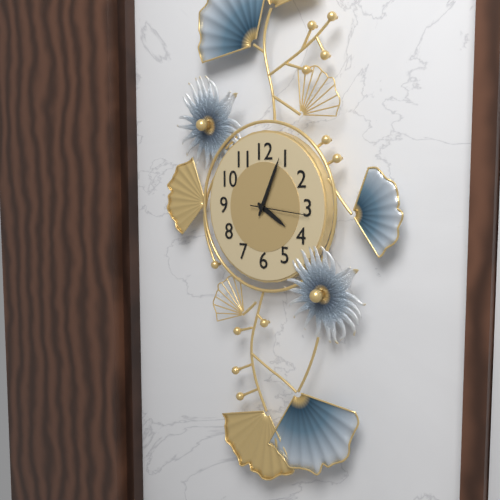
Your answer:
4 h 04 min 16 s
